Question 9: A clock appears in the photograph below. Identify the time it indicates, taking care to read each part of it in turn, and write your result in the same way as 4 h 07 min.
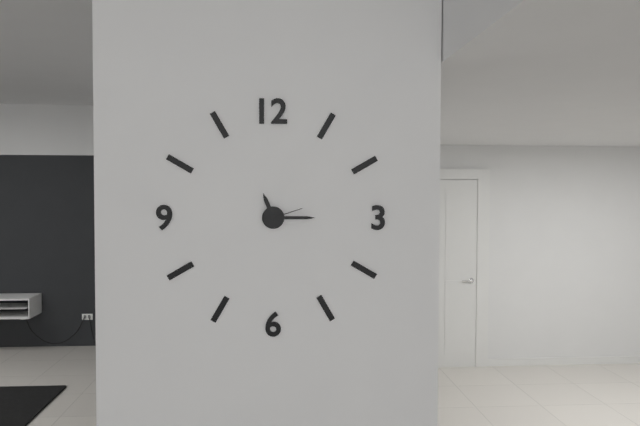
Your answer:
11 h 15 min
